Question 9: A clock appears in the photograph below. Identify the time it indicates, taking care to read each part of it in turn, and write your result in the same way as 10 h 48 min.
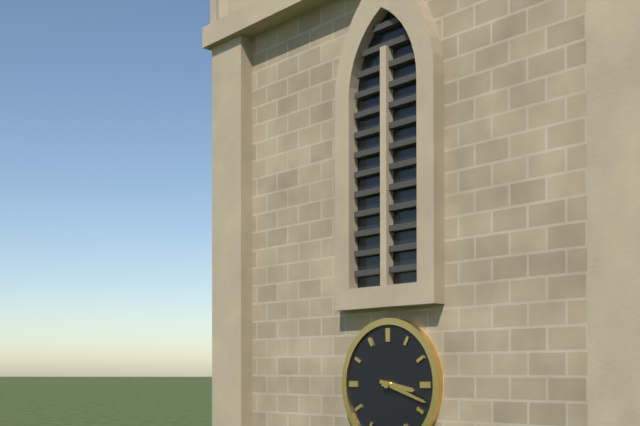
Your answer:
3 h 18 min
